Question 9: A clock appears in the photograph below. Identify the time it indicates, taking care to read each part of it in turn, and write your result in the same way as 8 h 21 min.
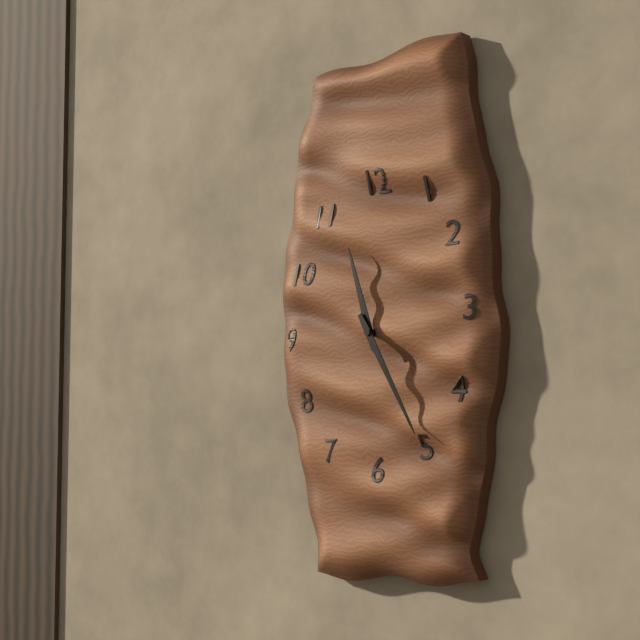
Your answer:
11 h 25 min
